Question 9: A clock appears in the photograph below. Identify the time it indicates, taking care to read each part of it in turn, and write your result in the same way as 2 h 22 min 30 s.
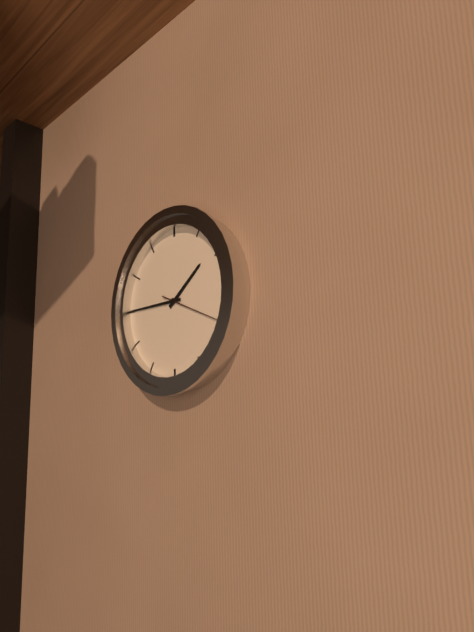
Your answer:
1 h 45 min 19 s
